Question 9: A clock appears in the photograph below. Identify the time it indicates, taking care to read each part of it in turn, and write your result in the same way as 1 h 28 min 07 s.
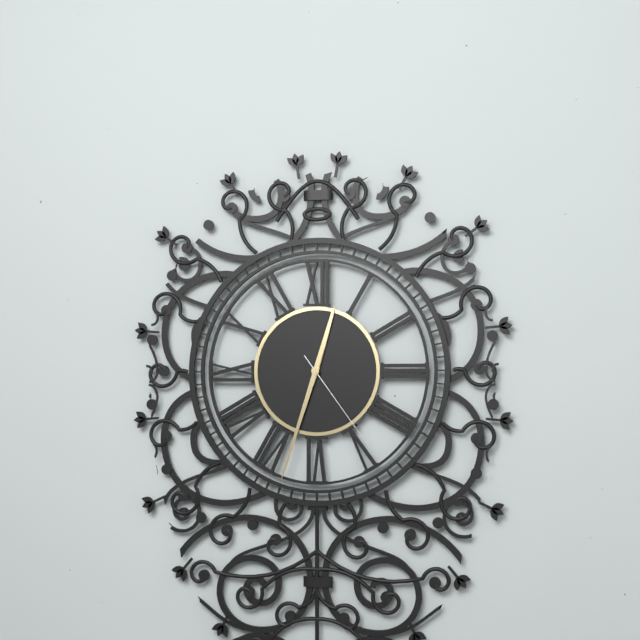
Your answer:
12 h 33 min 24 s
